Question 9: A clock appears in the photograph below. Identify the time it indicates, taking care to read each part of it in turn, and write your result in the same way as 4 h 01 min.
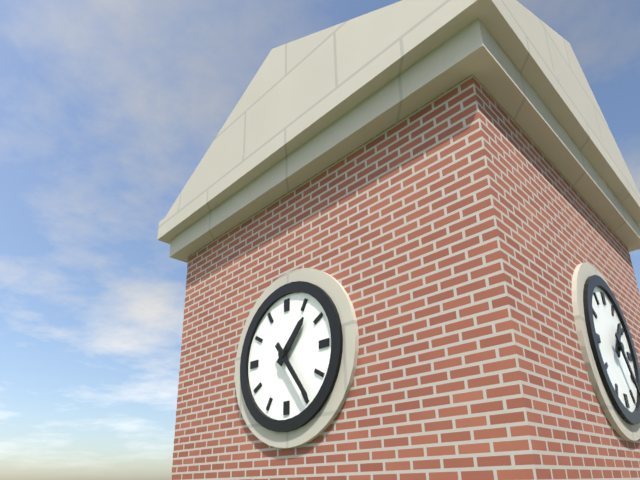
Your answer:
1 h 24 min
